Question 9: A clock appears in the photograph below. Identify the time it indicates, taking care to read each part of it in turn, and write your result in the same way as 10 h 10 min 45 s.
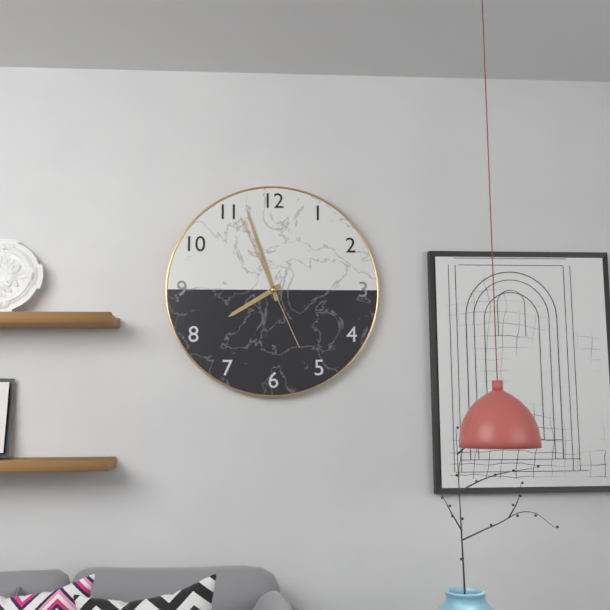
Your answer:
7 h 57 min 56 s
